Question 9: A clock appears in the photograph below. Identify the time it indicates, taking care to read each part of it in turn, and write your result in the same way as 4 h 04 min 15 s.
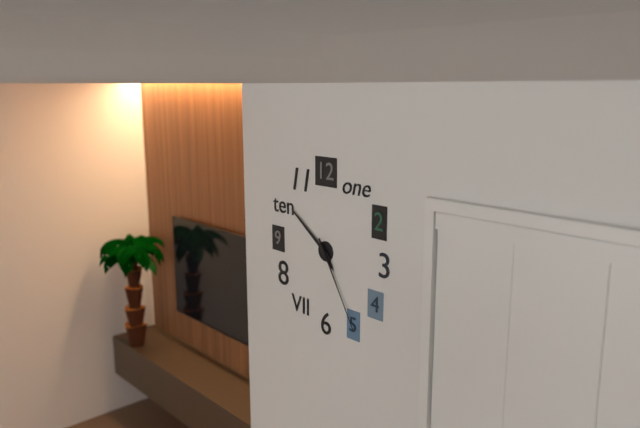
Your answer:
4 h 51 min 25 s
